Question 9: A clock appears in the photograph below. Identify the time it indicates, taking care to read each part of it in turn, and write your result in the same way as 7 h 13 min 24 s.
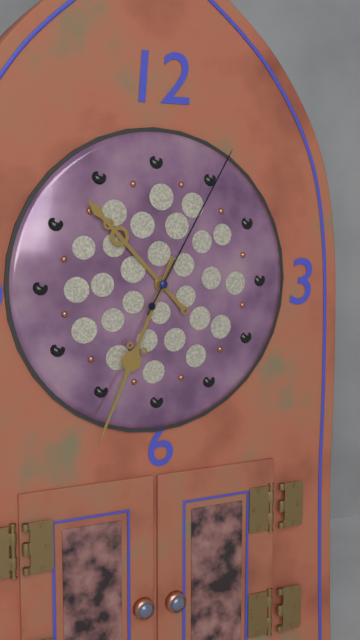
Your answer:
10 h 34 min 05 s
